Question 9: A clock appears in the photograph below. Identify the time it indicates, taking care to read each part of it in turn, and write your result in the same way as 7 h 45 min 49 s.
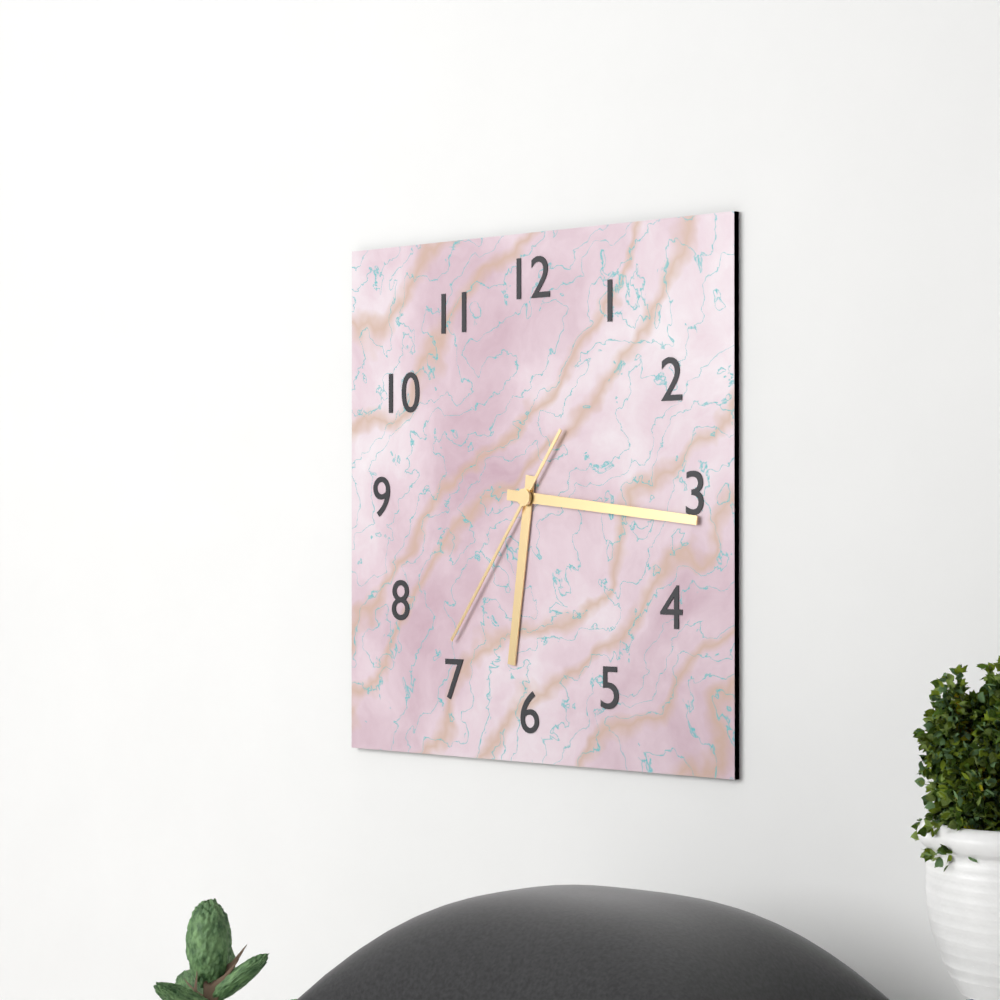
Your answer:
6 h 16 min 36 s
